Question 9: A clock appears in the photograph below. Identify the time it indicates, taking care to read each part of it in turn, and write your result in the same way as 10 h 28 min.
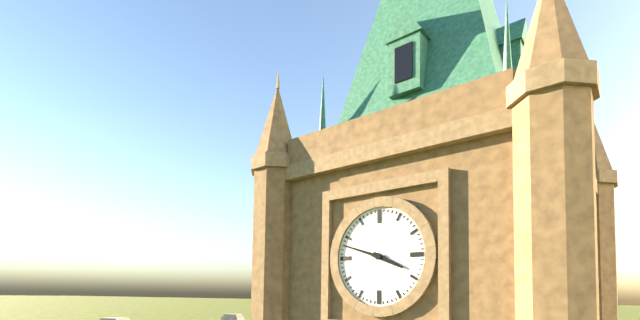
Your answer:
3 h 48 min
